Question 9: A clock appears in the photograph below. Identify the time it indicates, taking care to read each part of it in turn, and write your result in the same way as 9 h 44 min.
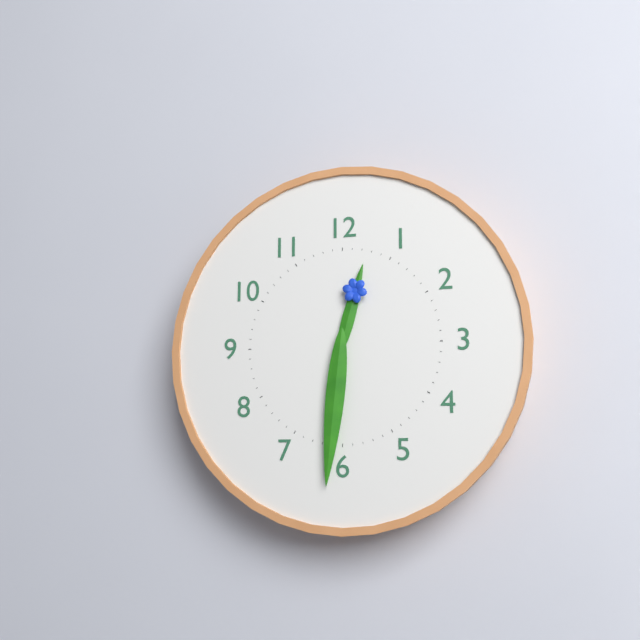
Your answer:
12 h 31 min
